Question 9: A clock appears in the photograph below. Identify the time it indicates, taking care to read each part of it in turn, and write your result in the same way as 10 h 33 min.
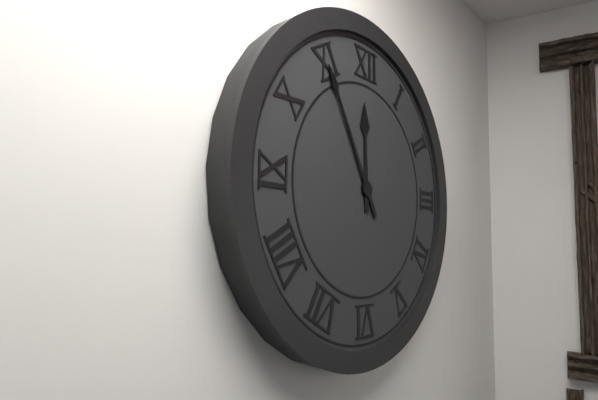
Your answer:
11 h 55 min
